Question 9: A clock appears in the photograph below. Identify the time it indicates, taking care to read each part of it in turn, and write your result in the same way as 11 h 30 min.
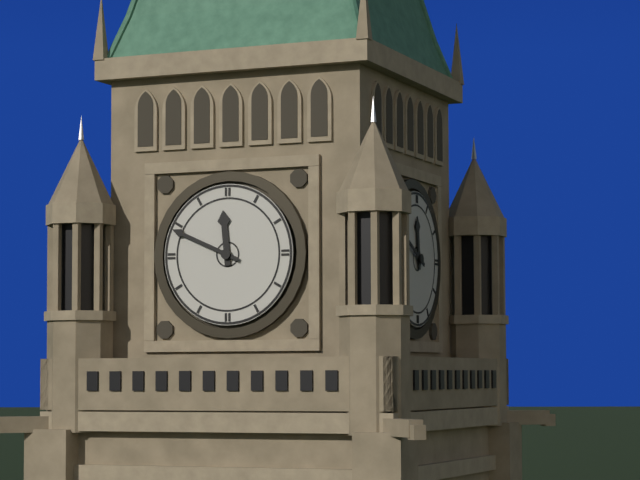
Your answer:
11 h 49 min
